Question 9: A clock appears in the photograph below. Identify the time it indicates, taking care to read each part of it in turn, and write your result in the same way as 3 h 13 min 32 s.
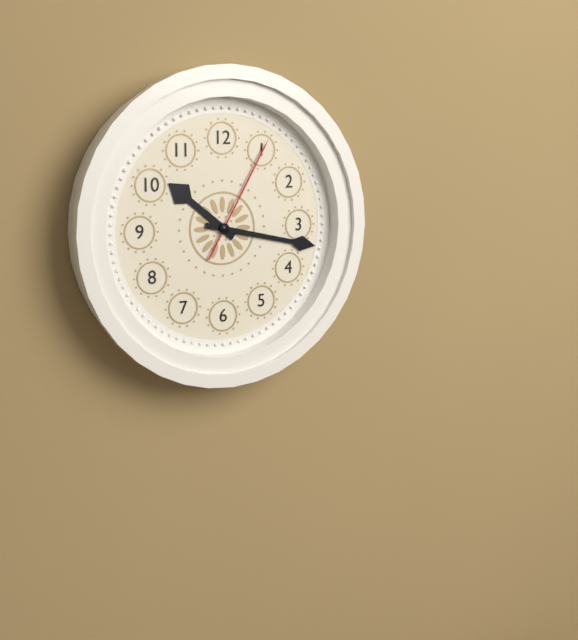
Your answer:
10 h 17 min 05 s
